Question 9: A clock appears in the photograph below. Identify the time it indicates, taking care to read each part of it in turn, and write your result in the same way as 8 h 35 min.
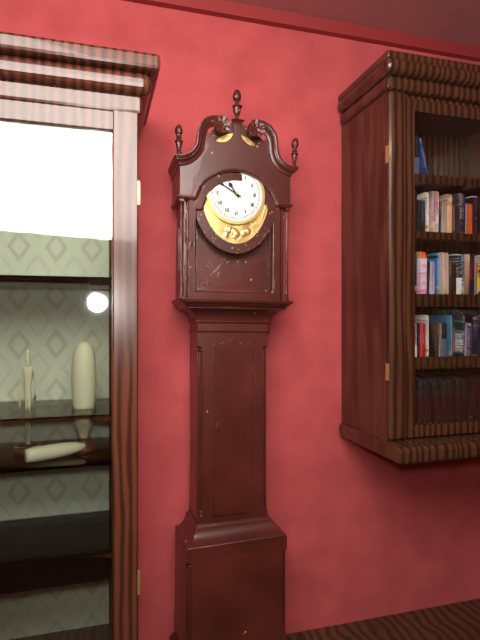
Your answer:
10 h 50 min
